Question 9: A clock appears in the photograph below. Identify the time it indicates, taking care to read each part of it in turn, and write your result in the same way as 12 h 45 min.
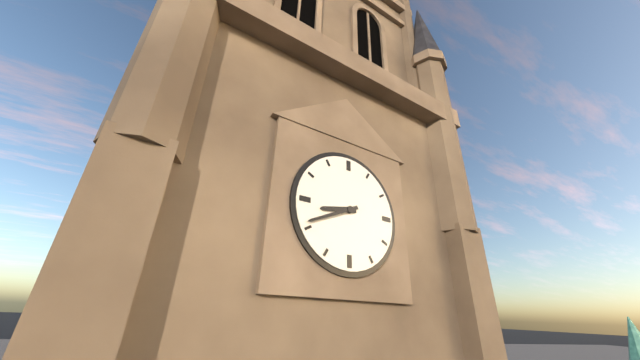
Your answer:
8 h 41 min
